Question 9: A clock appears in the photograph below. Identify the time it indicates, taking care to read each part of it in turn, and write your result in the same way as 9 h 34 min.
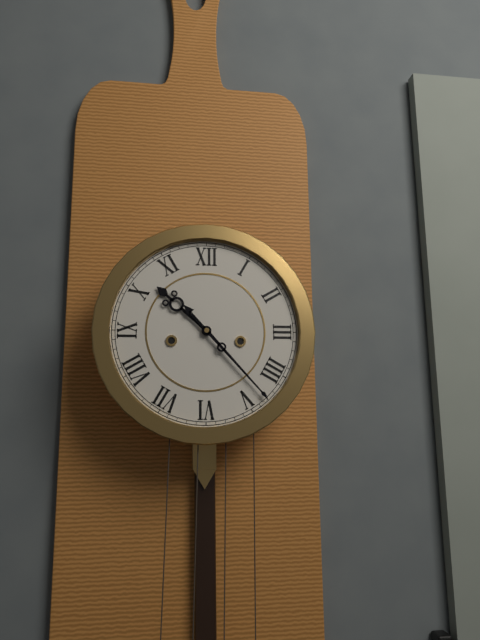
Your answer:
10 h 23 min
